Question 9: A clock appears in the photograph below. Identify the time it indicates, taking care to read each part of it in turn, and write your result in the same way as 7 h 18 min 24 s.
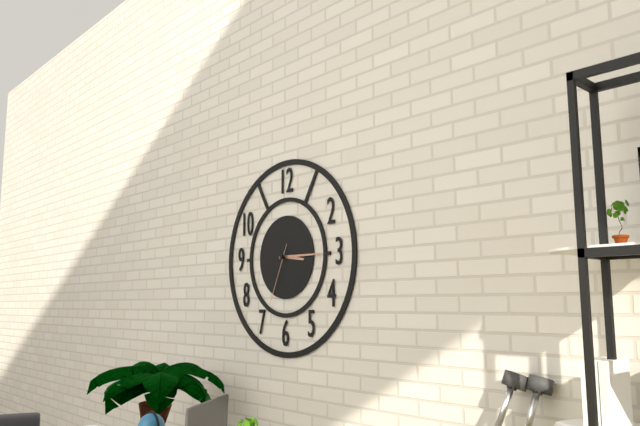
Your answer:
3 h 15 min 34 s
